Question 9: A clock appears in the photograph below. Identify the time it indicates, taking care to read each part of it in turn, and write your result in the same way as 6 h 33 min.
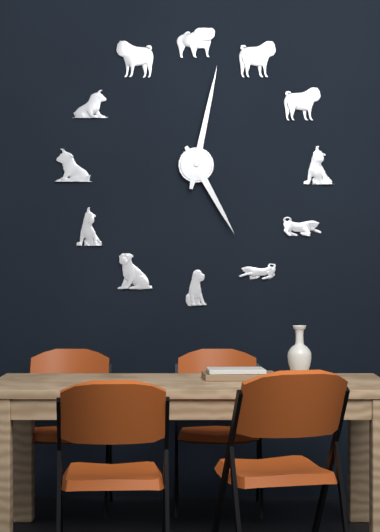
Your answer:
5 h 02 min
